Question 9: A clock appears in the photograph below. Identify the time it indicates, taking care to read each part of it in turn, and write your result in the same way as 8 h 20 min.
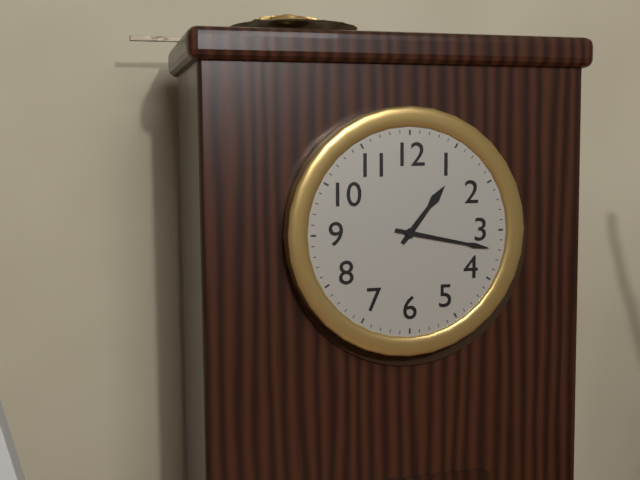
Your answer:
1 h 17 min
